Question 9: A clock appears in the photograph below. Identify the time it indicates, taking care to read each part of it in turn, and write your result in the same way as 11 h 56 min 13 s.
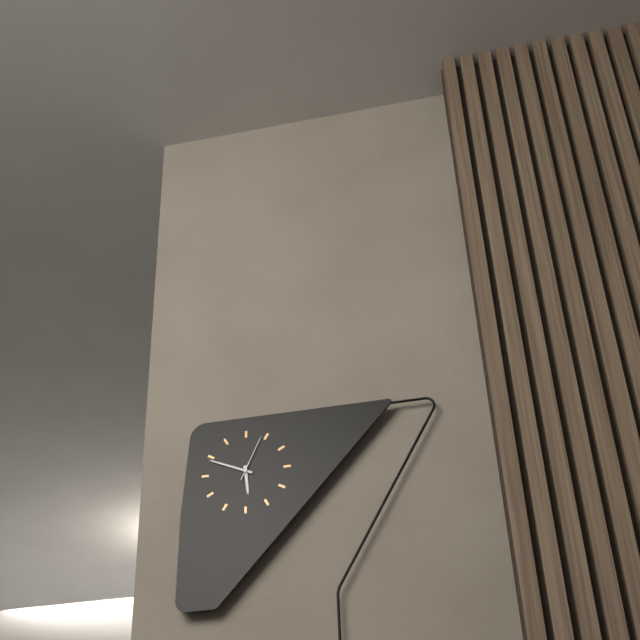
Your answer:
5 h 49 min 04 s
